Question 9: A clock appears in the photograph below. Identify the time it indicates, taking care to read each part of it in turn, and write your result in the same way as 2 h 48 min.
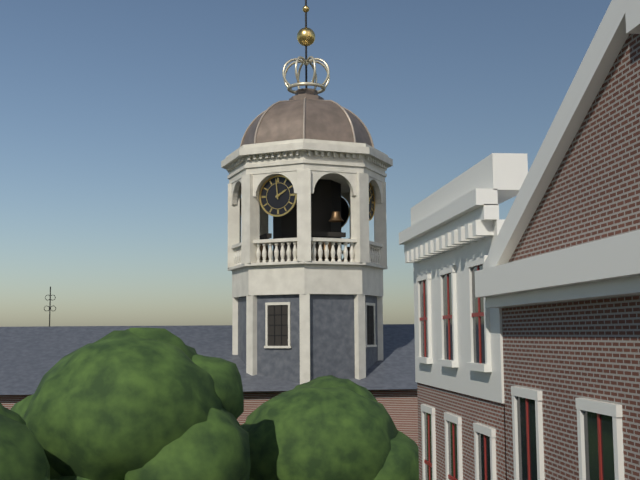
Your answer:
1 h 59 min
